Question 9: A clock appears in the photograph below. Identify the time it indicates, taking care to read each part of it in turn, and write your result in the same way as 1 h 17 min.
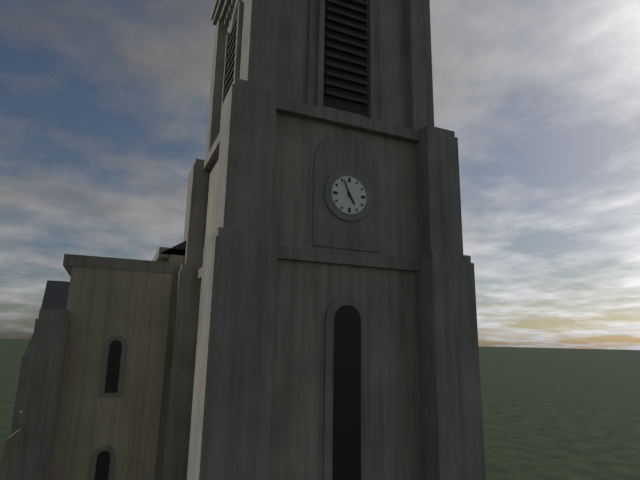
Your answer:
4 h 56 min
